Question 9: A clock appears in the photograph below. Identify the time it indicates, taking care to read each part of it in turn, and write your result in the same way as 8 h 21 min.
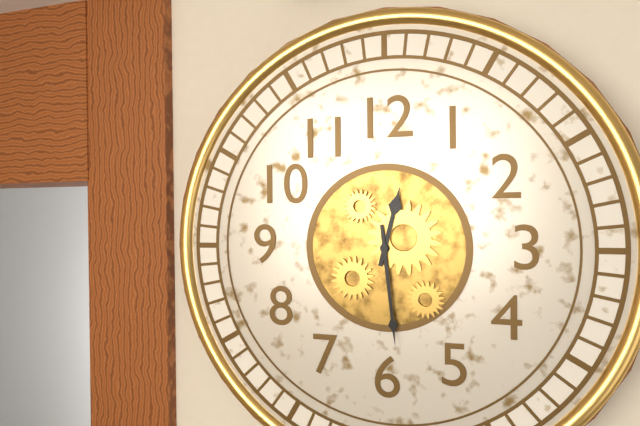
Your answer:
12 h 29 min
